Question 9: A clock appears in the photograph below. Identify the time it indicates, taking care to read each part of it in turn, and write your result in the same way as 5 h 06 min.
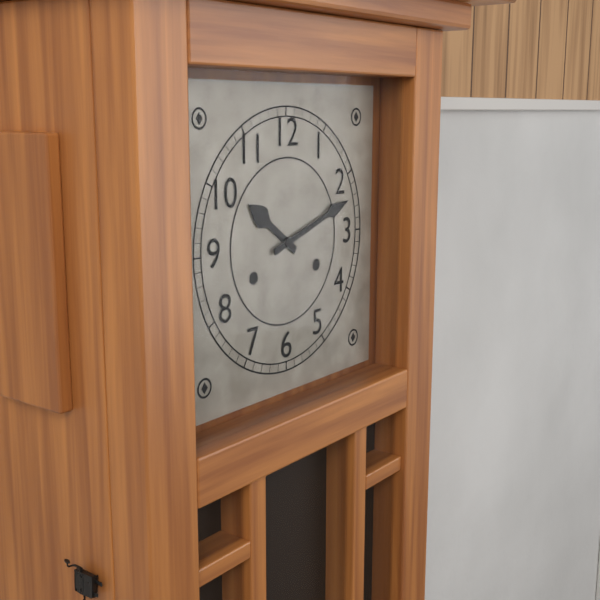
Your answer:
10 h 12 min
